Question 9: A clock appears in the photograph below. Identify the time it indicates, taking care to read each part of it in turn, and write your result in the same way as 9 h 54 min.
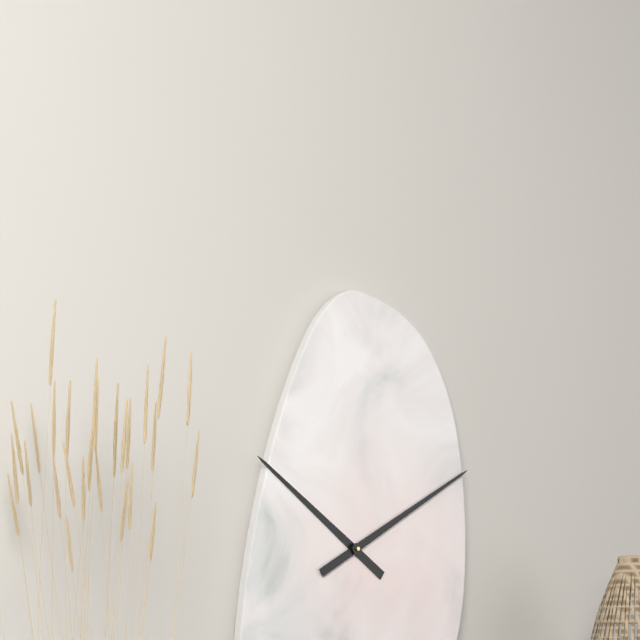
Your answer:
10 h 10 min
